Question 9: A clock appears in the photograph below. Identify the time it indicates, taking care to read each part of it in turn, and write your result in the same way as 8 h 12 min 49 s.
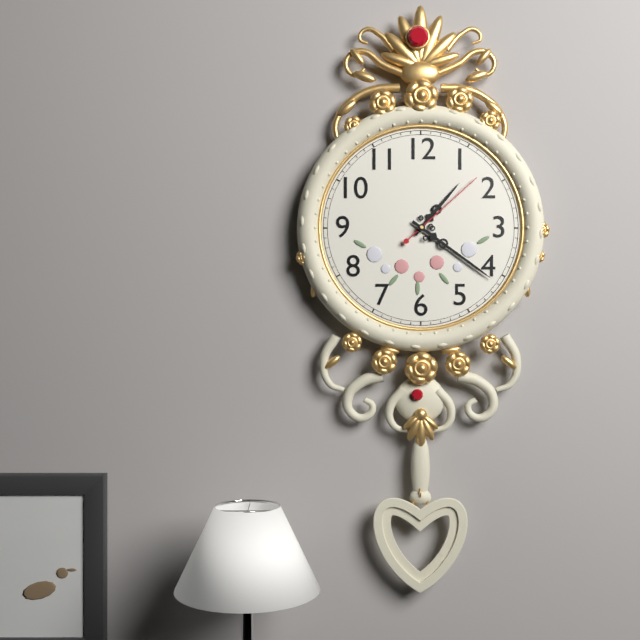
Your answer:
1 h 21 min 08 s
